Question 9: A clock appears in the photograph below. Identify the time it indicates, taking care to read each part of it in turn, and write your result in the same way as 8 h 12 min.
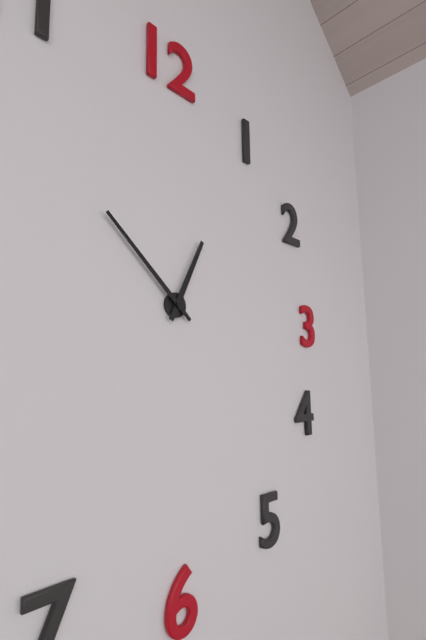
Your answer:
12 h 52 min
